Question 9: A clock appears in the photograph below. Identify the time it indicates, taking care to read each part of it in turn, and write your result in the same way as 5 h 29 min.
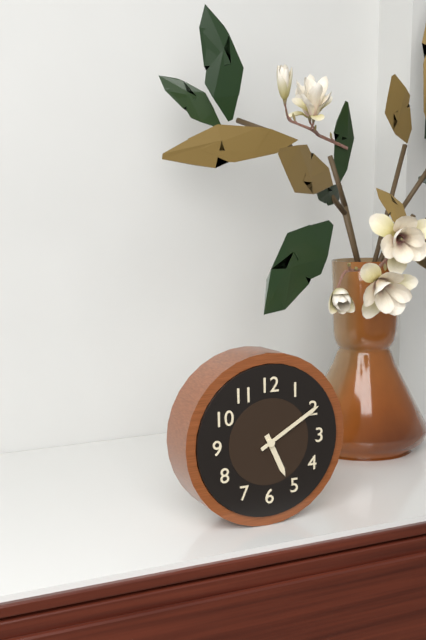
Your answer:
5 h 10 min
